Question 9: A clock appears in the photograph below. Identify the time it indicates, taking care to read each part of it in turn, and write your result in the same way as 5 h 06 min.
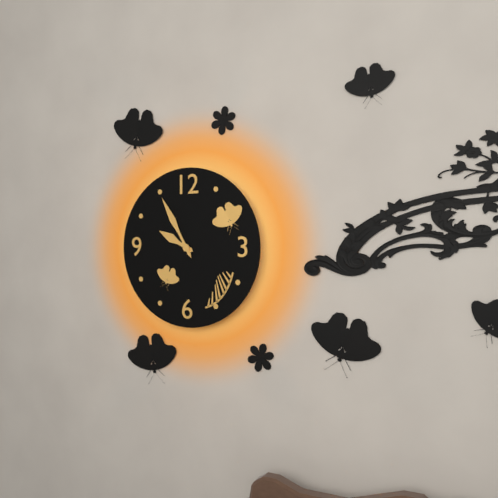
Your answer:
9 h 55 min
